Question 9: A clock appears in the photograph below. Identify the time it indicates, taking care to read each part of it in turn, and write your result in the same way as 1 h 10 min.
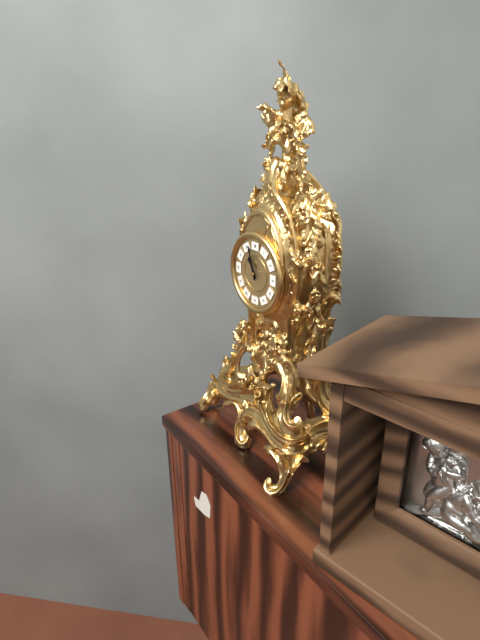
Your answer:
10 h 57 min
